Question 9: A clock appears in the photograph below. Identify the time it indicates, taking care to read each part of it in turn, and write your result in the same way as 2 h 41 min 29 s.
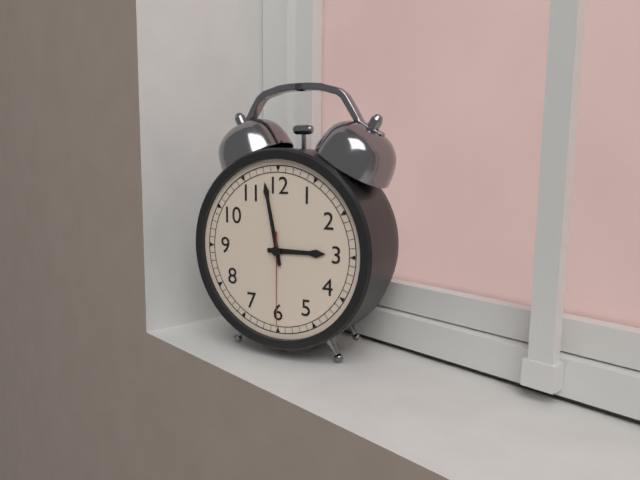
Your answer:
2 h 58 min 30 s
